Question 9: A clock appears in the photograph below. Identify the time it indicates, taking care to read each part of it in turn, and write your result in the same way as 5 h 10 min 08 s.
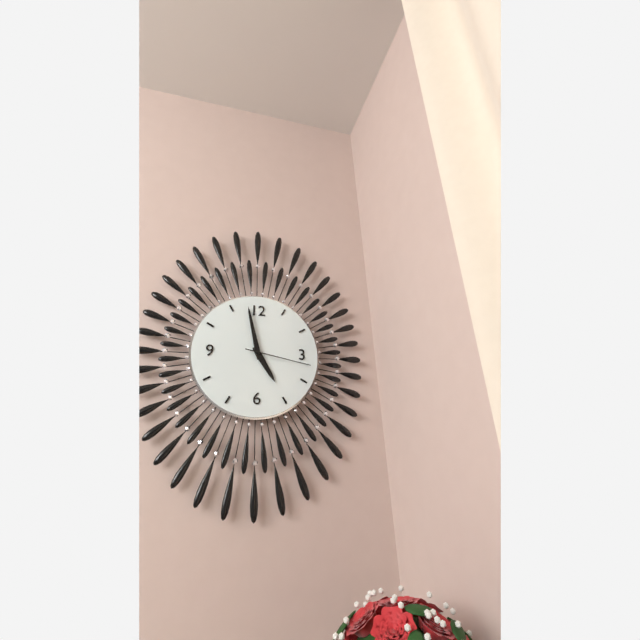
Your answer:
4 h 58 min 17 s
